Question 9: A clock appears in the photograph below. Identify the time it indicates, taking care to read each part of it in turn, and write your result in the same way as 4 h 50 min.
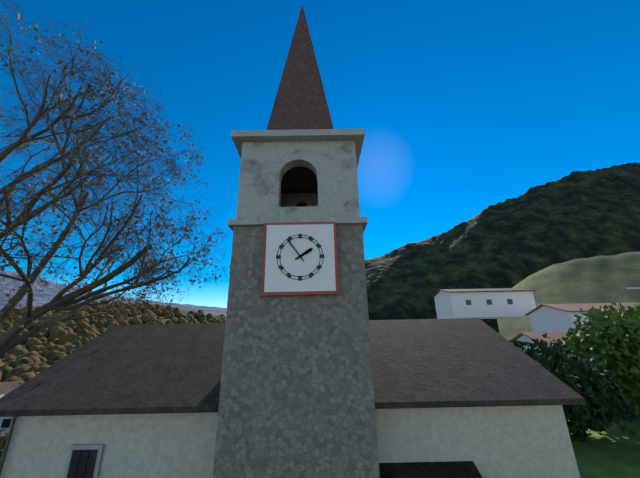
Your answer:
1 h 54 min
